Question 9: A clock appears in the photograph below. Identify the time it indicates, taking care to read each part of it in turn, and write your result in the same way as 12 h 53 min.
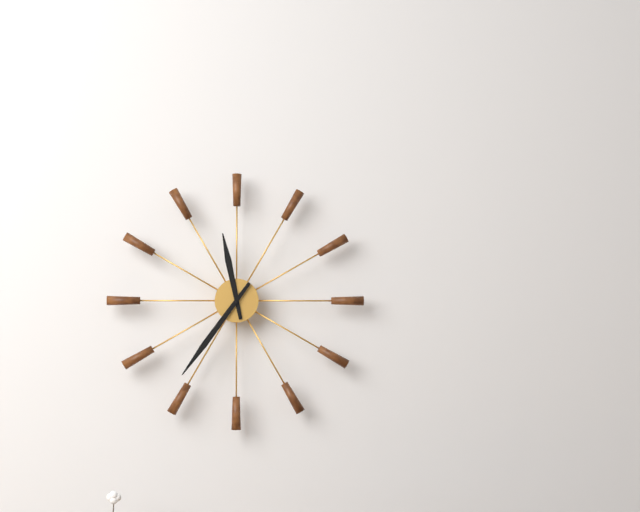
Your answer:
11 h 36 min
